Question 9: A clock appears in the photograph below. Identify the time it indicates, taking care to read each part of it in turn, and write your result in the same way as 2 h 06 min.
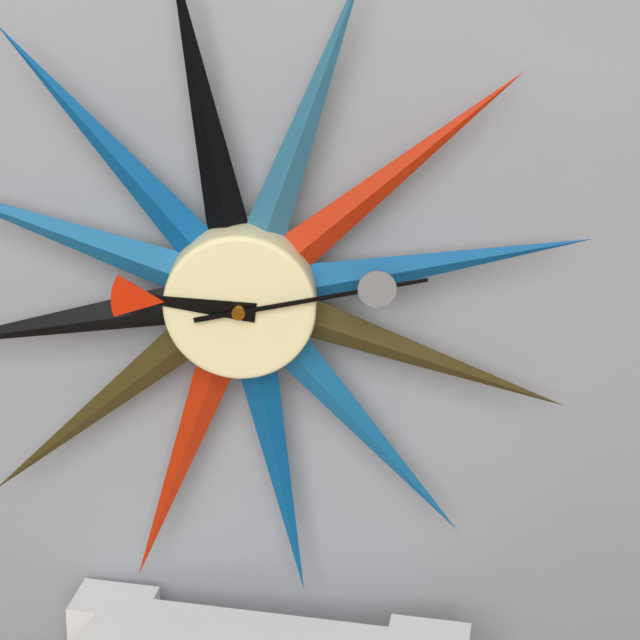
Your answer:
9 h 13 min
